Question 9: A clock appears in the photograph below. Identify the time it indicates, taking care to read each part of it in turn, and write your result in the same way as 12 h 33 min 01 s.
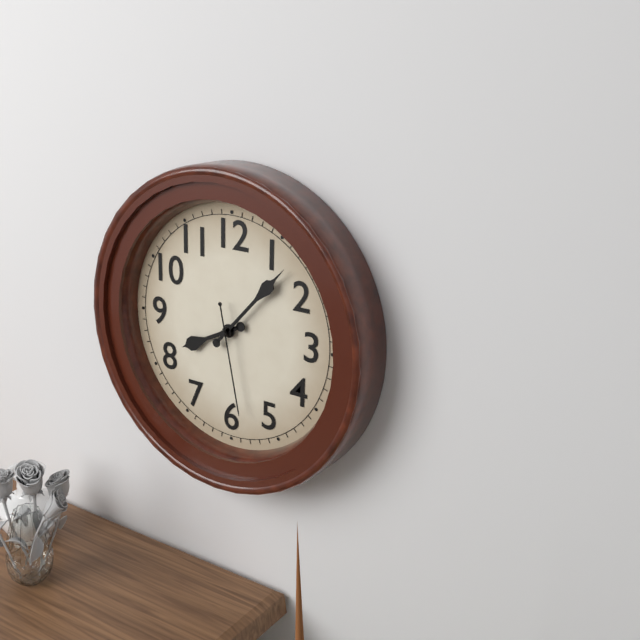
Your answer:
8 h 07 min 28 s
